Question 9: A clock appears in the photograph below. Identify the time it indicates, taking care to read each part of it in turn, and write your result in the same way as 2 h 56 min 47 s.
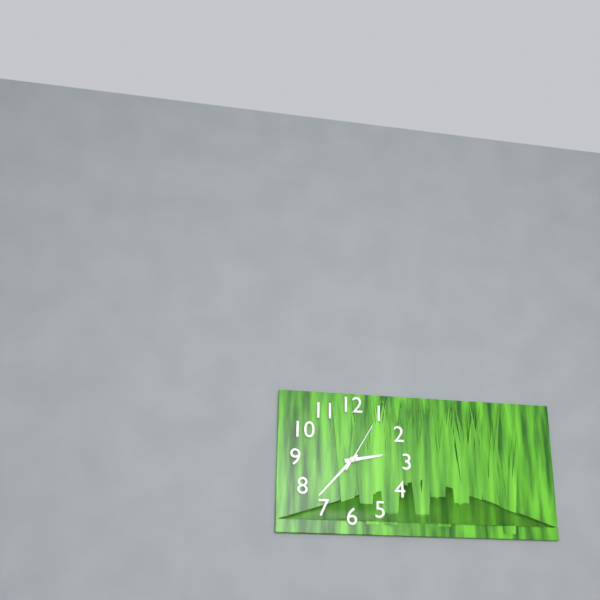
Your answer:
2 h 37 min 05 s
